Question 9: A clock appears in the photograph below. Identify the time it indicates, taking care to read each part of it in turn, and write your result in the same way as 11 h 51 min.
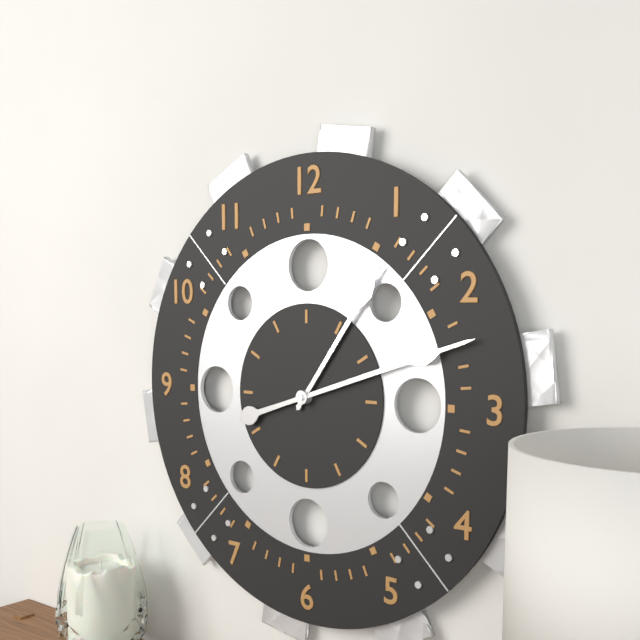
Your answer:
1 h 12 min
